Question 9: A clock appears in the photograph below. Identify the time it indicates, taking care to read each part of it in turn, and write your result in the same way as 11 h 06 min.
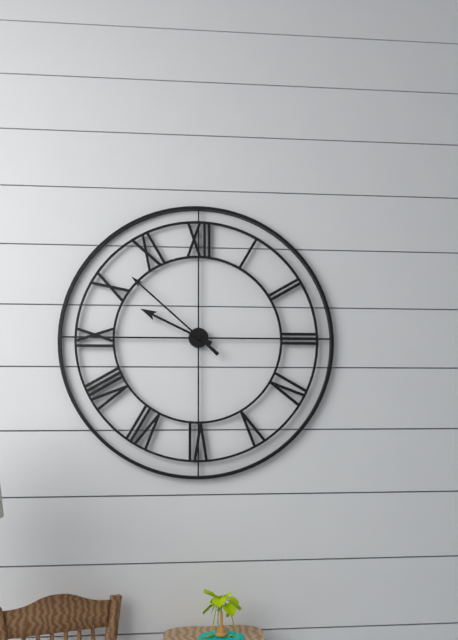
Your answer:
9 h 52 min
